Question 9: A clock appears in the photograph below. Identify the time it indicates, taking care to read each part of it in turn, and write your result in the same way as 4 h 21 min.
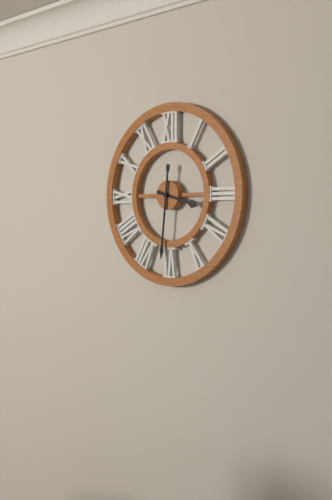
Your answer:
3 h 31 min
